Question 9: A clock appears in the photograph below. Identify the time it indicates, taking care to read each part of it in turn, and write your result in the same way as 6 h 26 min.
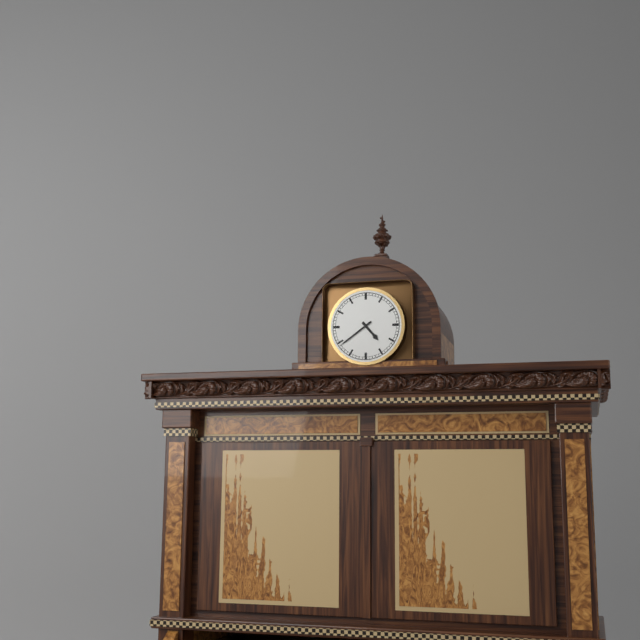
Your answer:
4 h 39 min
